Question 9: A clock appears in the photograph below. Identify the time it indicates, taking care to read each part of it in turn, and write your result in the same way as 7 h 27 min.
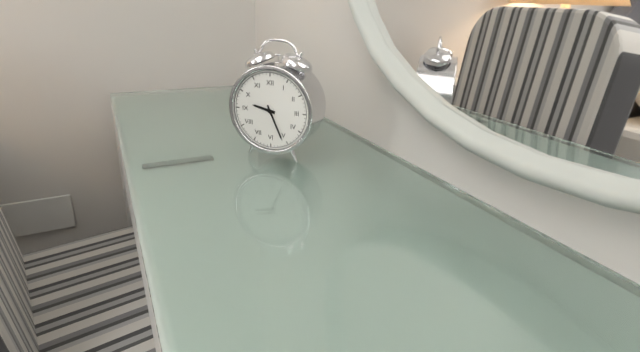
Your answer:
9 h 26 min
